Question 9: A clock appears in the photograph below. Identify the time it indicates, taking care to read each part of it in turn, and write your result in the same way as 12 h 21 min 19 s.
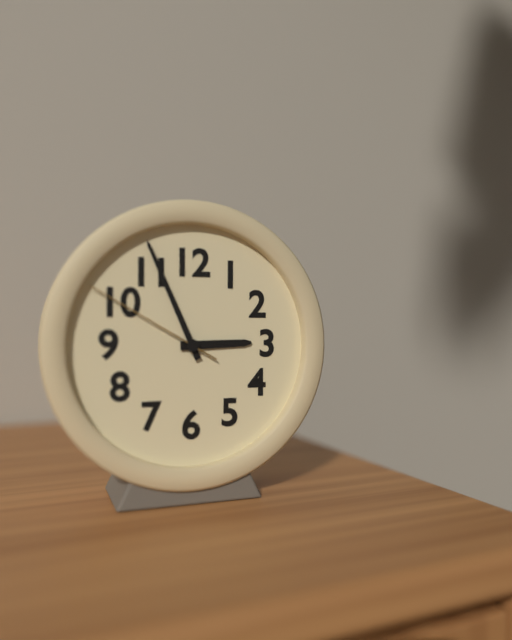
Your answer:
2 h 56 min 50 s
